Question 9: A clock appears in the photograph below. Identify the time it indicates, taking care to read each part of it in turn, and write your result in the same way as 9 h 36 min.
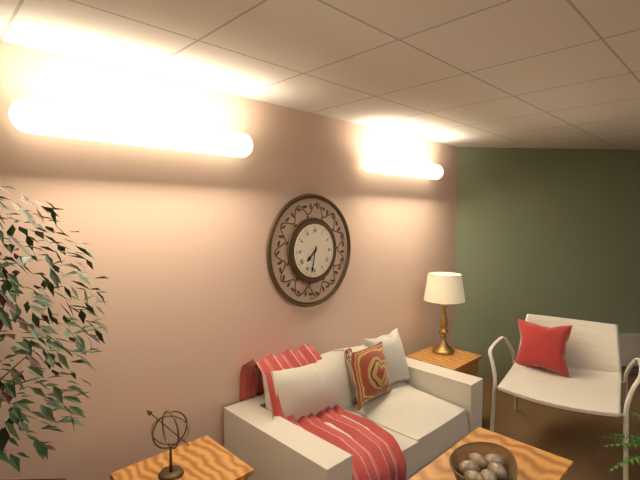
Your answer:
7 h 32 min
